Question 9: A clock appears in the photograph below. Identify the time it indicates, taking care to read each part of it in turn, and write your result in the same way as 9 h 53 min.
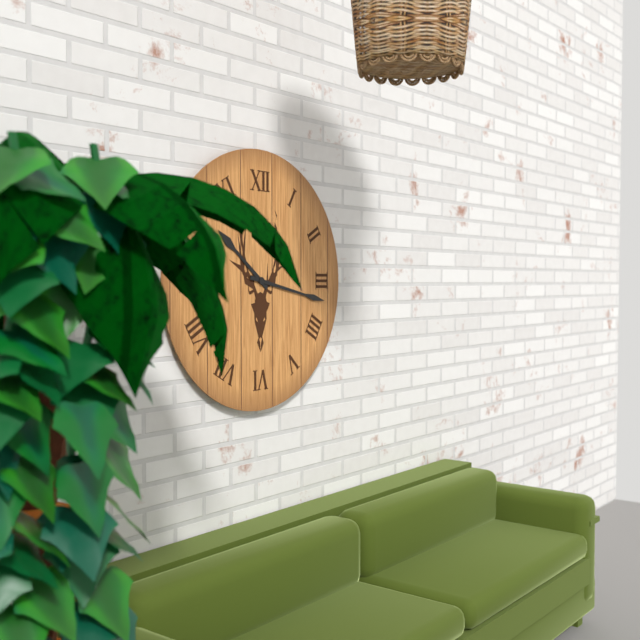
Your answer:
10 h 17 min
